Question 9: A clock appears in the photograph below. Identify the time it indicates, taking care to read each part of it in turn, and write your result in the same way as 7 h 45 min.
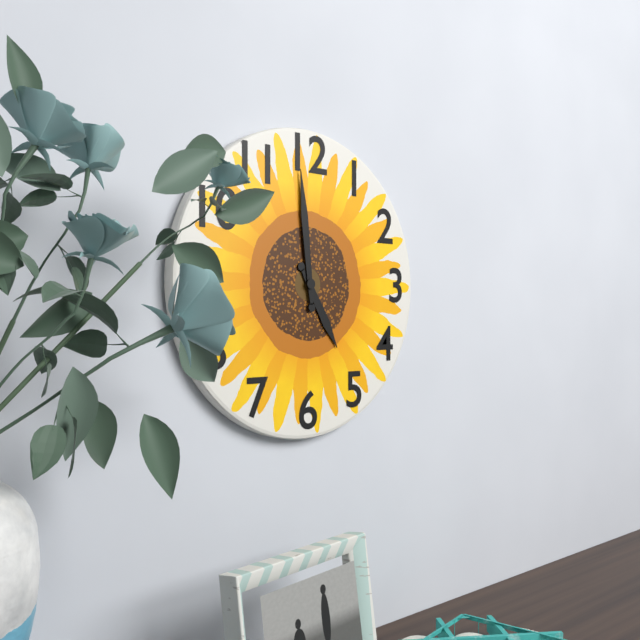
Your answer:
4 h 59 min
